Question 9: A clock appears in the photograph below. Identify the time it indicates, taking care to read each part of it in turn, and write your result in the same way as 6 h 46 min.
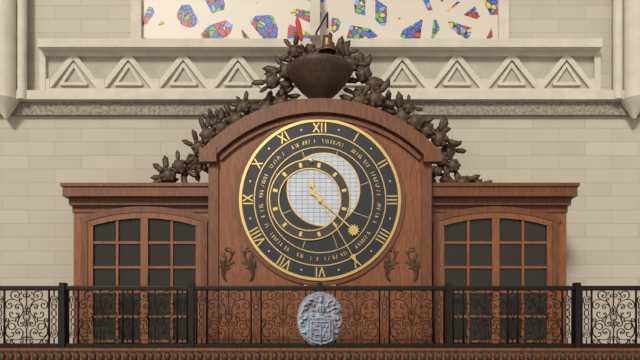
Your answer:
4 h 25 min
